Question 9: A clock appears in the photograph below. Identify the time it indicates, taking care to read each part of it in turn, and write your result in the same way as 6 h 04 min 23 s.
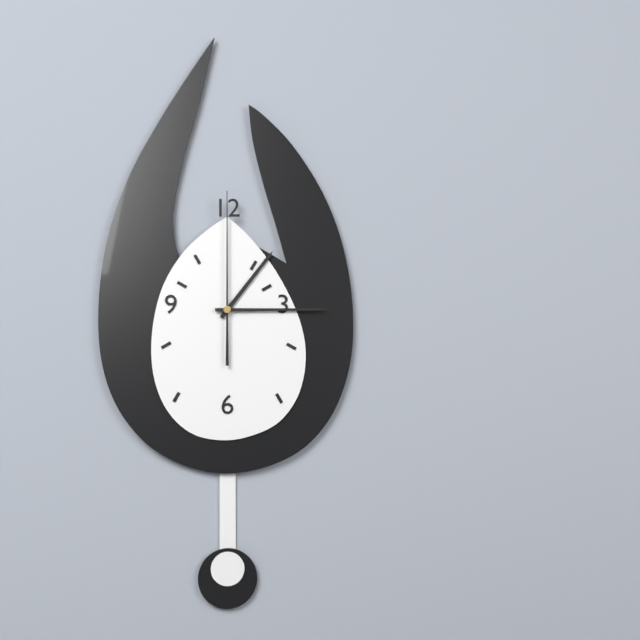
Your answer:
1 h 15 min 00 s
